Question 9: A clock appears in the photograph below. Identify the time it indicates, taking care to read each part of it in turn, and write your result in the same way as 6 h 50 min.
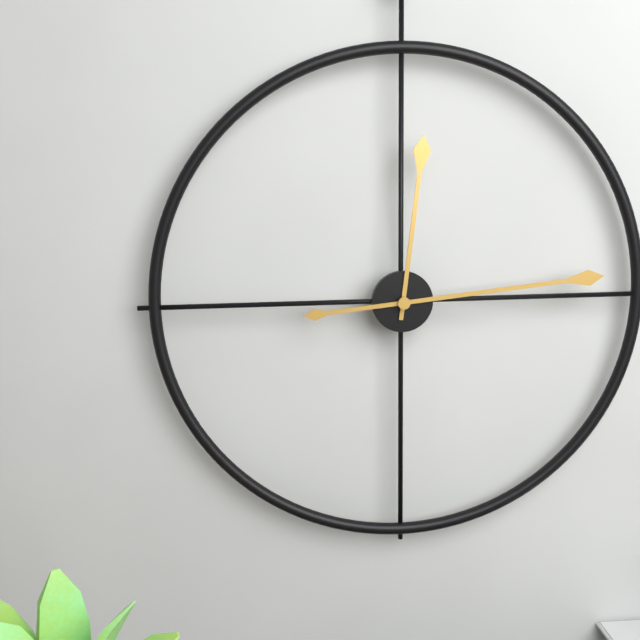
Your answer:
12 h 14 min
